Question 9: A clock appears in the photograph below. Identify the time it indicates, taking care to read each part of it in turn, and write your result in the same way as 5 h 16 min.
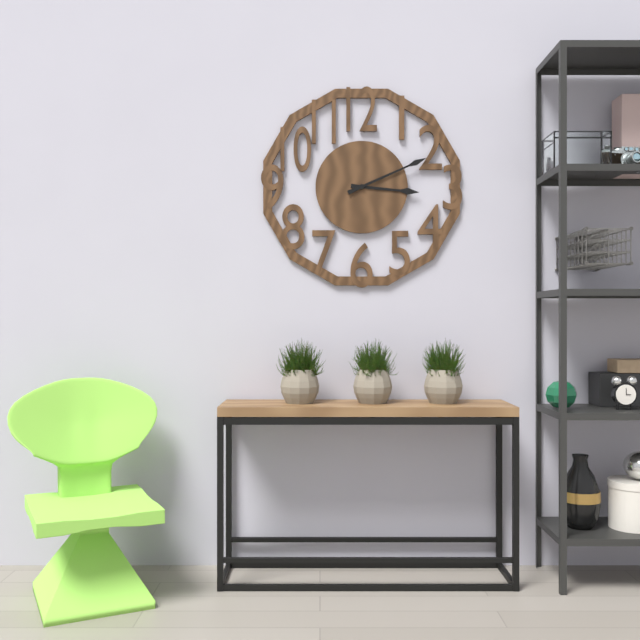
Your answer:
3 h 11 min
